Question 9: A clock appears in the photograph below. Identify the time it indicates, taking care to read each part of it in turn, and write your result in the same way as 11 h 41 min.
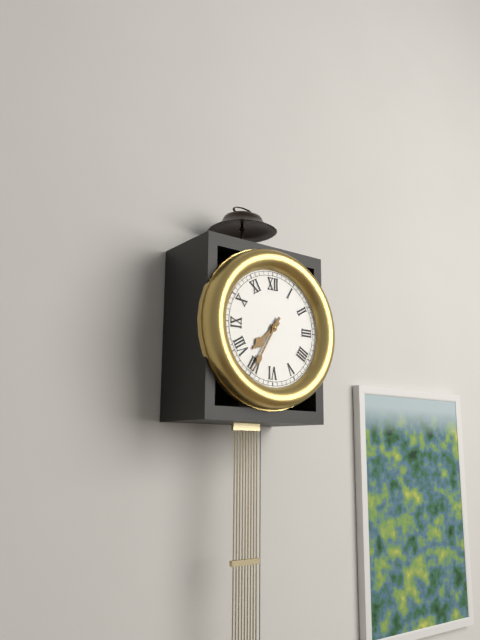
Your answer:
7 h 35 min
